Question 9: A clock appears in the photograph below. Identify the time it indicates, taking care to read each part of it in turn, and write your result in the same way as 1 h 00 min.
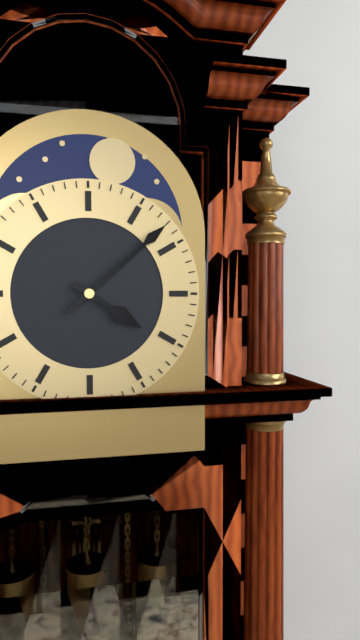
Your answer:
4 h 08 min
